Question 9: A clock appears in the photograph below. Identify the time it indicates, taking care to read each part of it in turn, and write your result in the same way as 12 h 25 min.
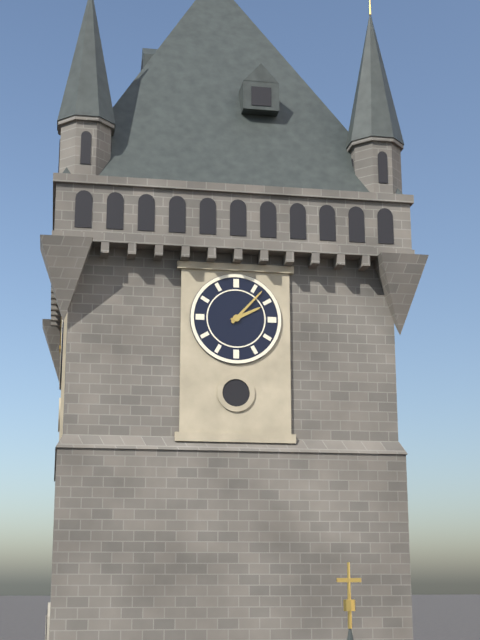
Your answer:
2 h 07 min
